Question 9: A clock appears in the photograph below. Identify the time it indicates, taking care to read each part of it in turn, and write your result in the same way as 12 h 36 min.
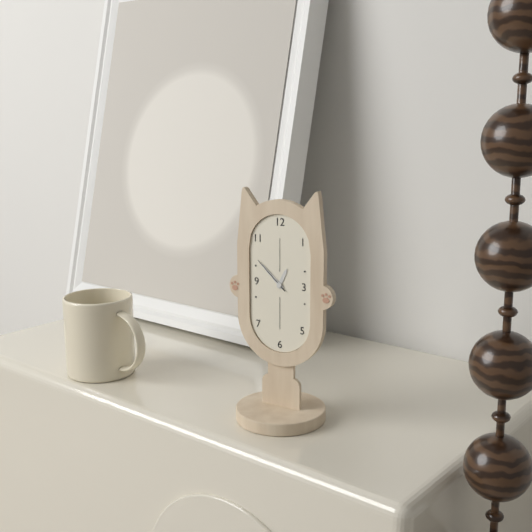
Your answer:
12 h 52 min
